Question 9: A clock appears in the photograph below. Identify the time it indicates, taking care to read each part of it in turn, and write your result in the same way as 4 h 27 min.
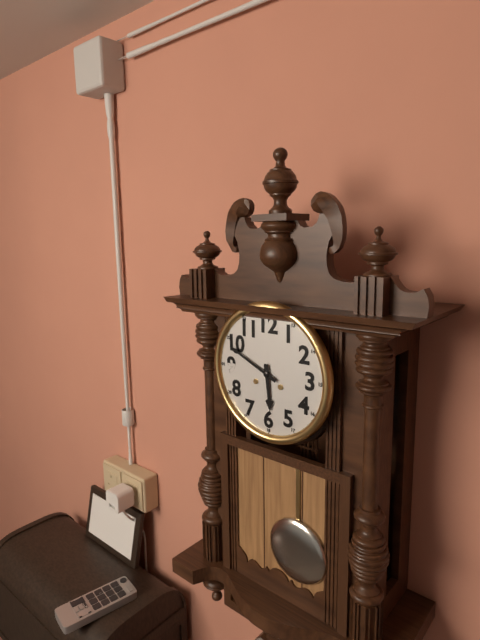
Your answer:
5 h 49 min
